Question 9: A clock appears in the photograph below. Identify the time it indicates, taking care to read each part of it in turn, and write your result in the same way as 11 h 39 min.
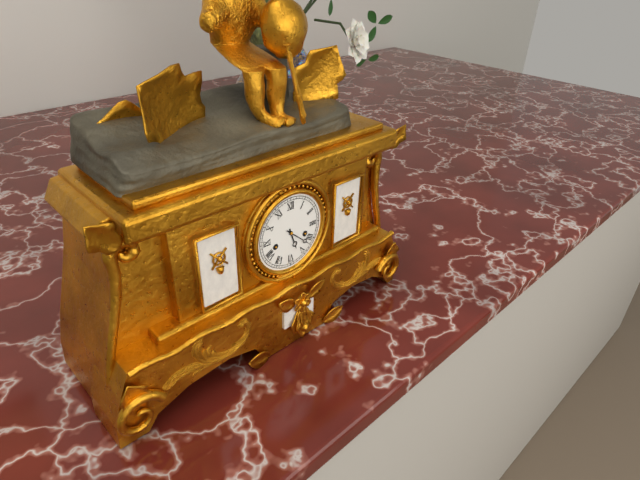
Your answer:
5 h 22 min
